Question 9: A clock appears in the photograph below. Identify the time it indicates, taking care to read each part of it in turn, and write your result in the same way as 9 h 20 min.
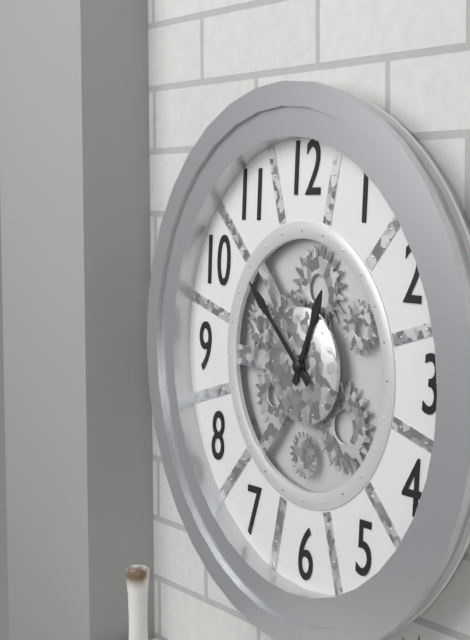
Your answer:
12 h 52 min
